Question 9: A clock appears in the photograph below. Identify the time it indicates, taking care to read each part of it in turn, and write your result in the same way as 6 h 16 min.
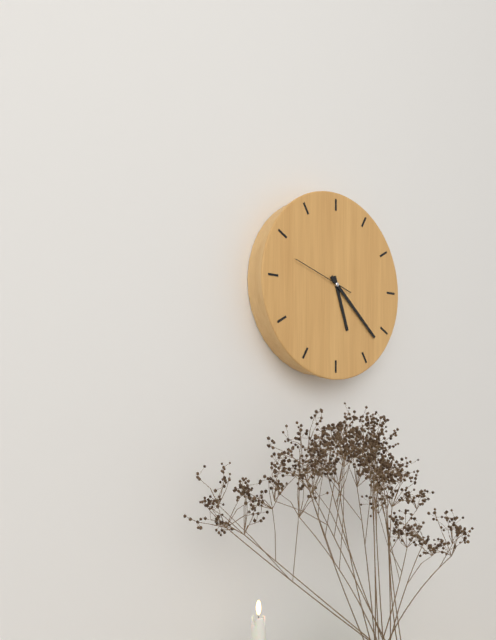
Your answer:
5 h 22 min
